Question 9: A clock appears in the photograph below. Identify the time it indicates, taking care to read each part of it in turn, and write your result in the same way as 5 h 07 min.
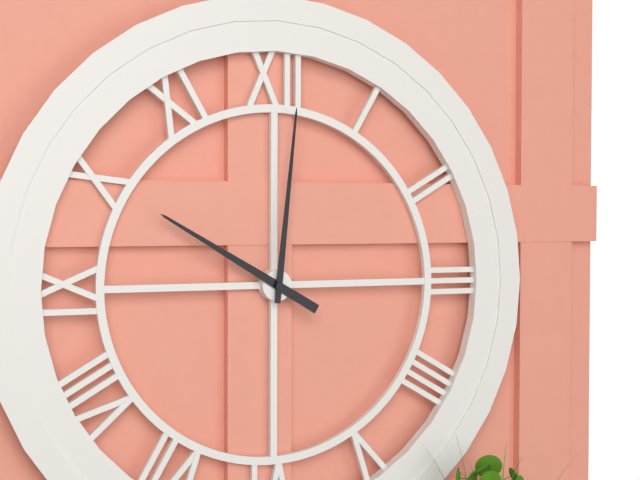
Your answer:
10 h 01 min
